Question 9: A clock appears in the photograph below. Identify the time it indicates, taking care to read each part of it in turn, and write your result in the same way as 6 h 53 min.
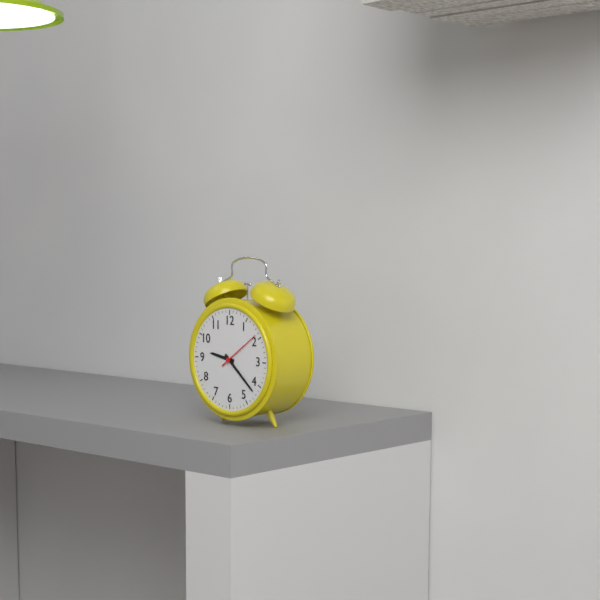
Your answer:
9 h 22 min
